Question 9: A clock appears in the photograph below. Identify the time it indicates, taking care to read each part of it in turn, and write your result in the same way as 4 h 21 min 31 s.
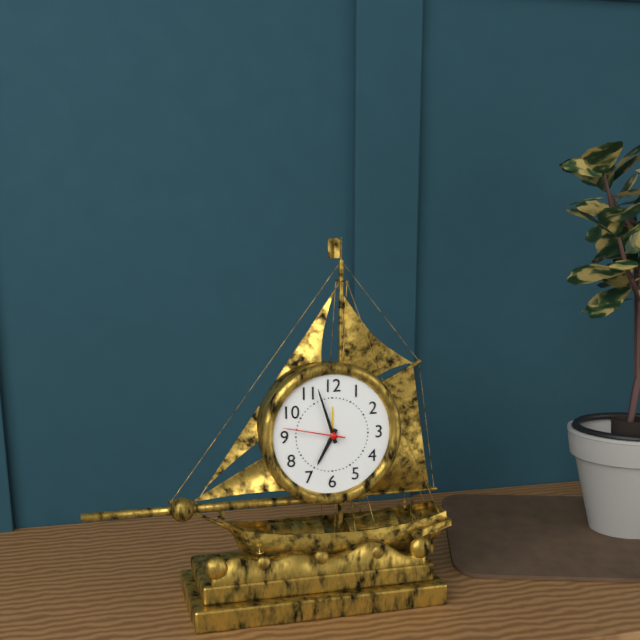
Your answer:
6 h 57 min 47 s
